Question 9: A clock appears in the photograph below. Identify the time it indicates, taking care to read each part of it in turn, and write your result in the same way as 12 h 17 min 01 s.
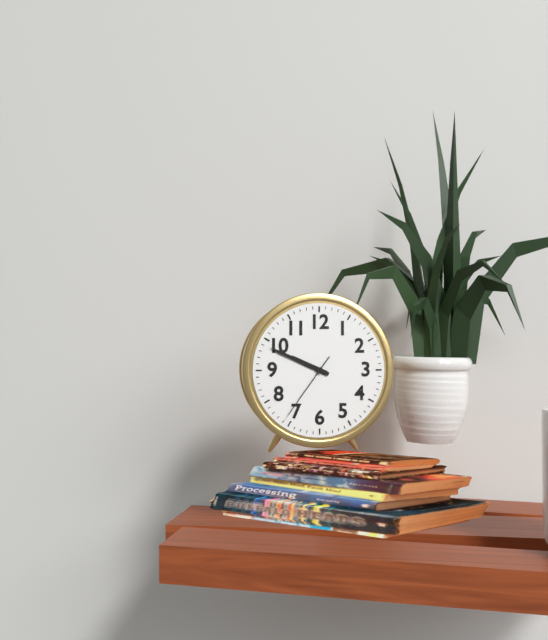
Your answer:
9 h 49 min 36 s
